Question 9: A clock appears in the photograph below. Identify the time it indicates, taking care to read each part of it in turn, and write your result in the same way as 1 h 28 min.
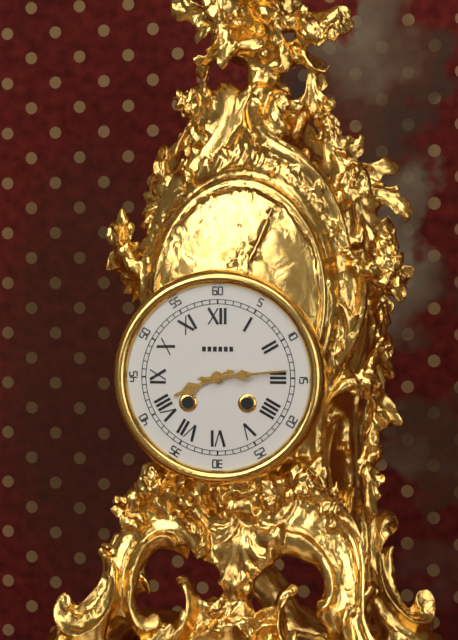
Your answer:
8 h 14 min
